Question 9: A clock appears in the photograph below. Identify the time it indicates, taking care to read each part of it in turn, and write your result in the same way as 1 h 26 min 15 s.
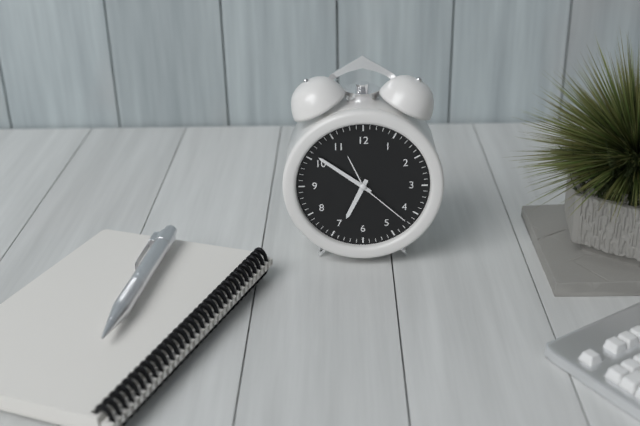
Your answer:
6 h 51 min 22 s
